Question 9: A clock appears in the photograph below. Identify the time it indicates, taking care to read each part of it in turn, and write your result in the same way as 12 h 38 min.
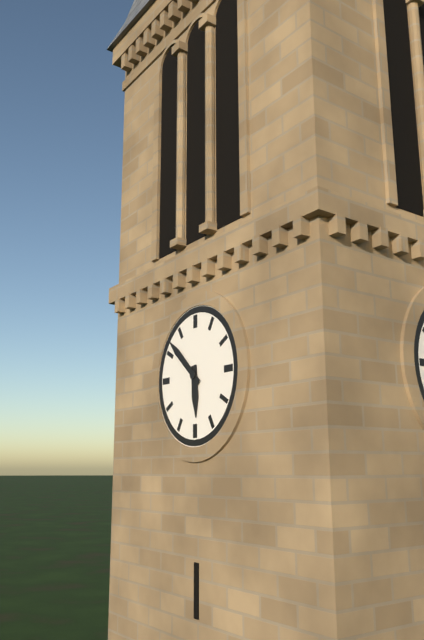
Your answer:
5 h 52 min
